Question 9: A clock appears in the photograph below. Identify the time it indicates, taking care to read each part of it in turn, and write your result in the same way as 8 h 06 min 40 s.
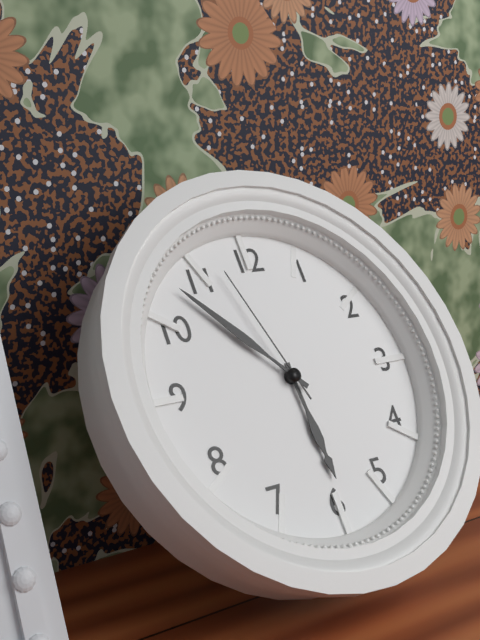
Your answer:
5 h 53 min 57 s
